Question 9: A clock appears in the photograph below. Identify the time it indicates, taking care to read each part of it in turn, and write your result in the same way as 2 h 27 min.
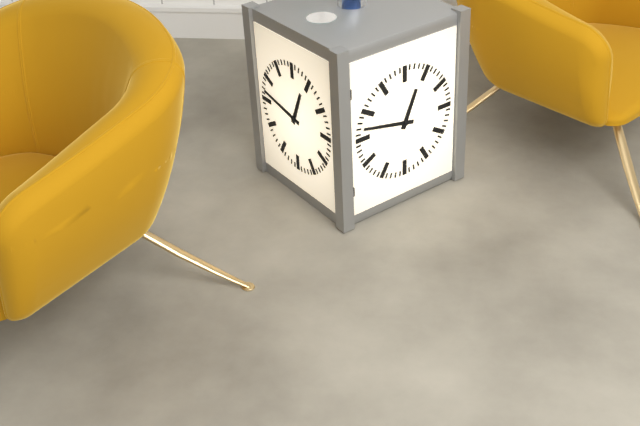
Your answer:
12 h 47 min
